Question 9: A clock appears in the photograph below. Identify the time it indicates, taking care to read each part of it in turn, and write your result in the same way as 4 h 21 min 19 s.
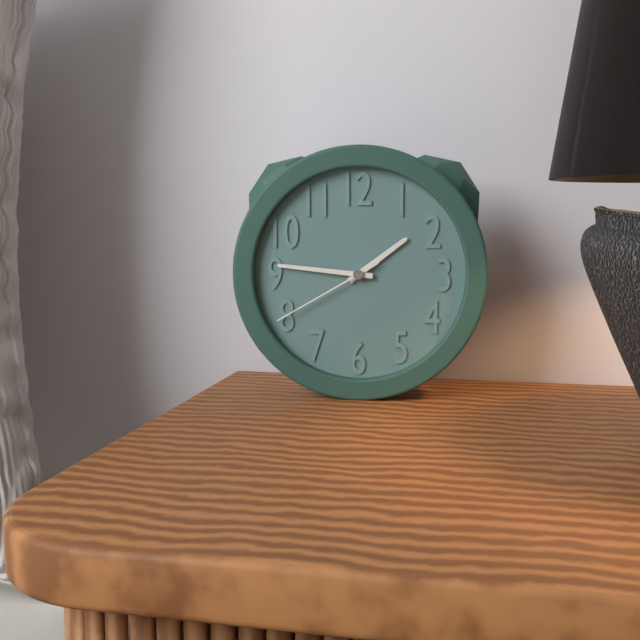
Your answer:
1 h 46 min 40 s
